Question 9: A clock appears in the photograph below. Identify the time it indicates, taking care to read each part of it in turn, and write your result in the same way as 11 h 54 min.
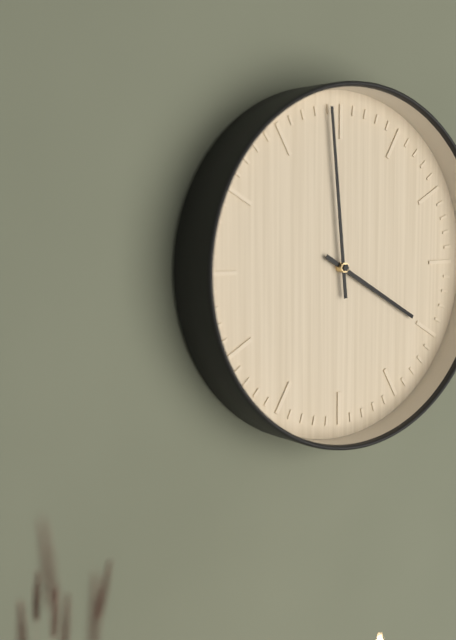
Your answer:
3 h 59 min
